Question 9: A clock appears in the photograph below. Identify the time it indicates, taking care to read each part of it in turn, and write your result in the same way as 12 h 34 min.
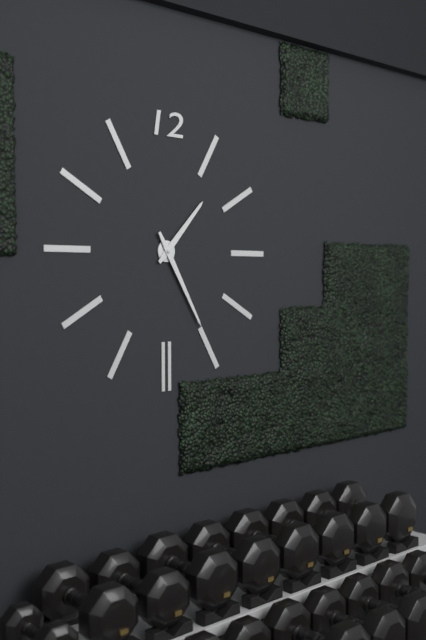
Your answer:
1 h 25 min
